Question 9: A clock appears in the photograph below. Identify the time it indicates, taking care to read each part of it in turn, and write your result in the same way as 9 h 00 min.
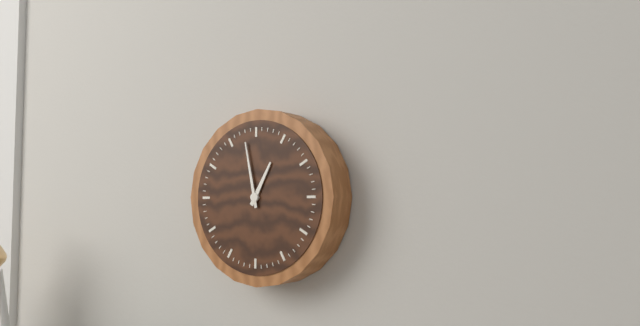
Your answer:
12 h 58 min
